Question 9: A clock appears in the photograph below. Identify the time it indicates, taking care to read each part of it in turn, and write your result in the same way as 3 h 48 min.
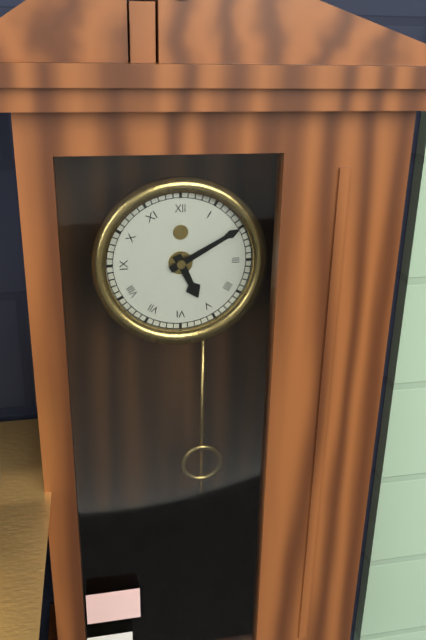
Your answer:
5 h 10 min
